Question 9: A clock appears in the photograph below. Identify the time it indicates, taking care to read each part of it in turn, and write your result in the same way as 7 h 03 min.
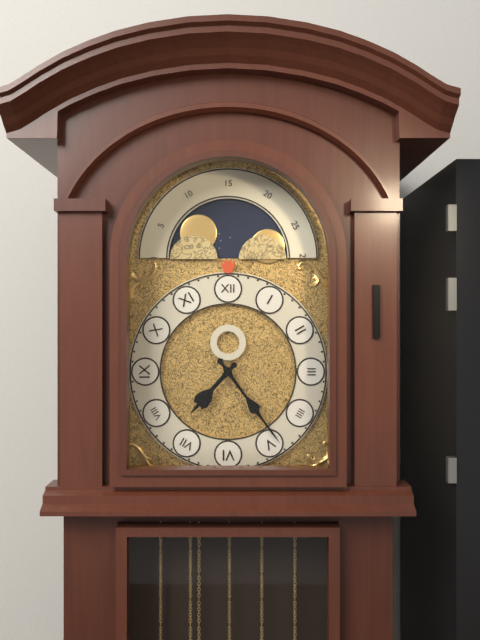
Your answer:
7 h 24 min
